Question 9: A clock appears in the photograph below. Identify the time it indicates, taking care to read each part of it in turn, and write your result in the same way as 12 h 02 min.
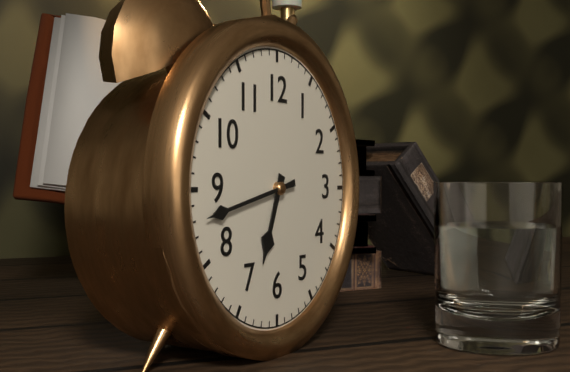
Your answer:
6 h 43 min
